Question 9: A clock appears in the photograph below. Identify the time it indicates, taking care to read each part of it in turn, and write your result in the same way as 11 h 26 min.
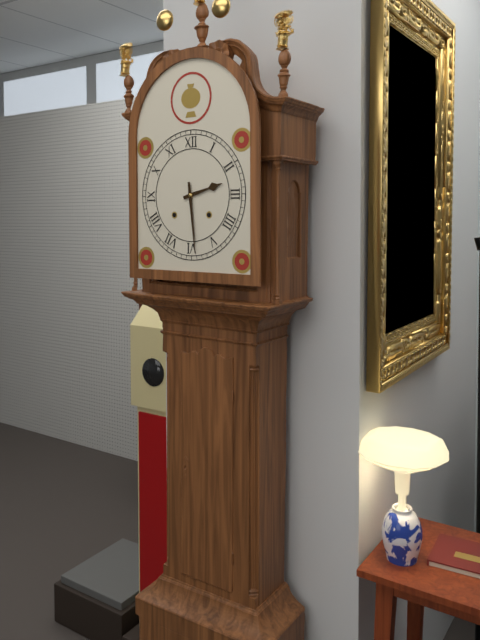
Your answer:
2 h 29 min
